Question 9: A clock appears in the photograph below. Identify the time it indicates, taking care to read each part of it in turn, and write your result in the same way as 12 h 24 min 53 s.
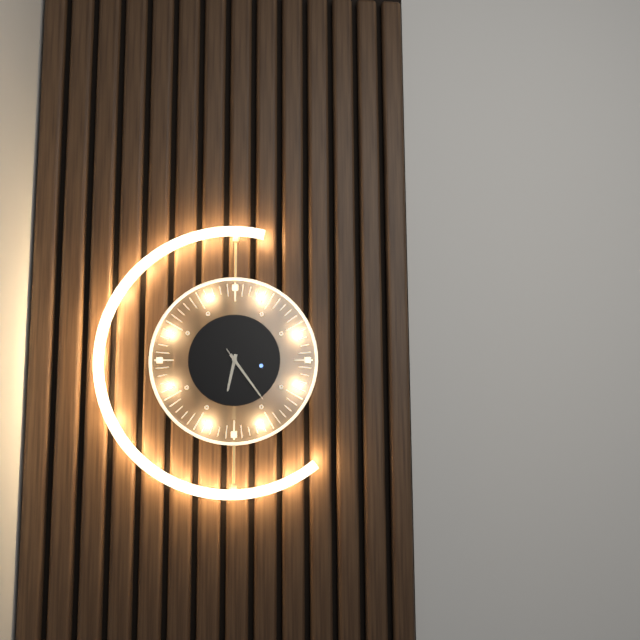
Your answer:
6 h 24 min 24 s
